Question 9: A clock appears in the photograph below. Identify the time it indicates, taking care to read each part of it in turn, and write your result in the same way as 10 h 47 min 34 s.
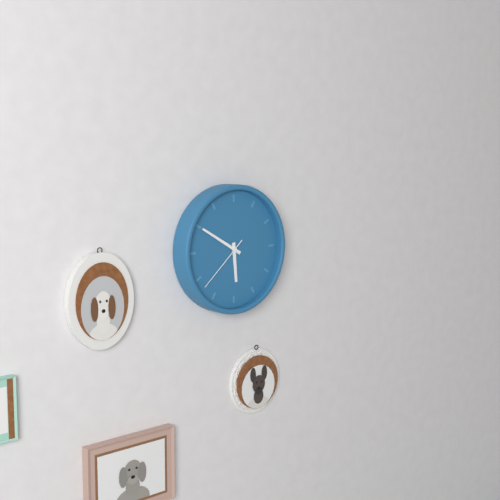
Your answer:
5 h 50 min 38 s
